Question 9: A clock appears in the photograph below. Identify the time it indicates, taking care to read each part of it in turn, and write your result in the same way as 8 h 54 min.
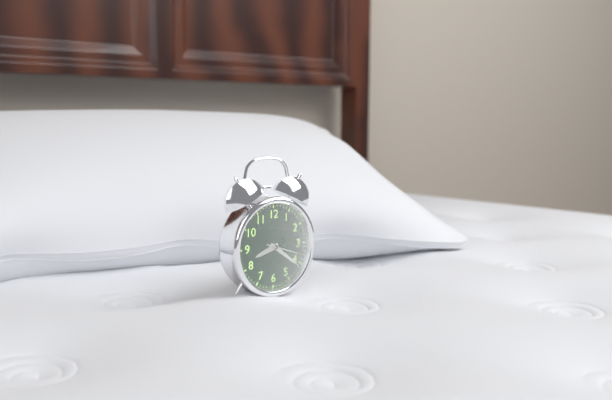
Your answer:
8 h 21 min
